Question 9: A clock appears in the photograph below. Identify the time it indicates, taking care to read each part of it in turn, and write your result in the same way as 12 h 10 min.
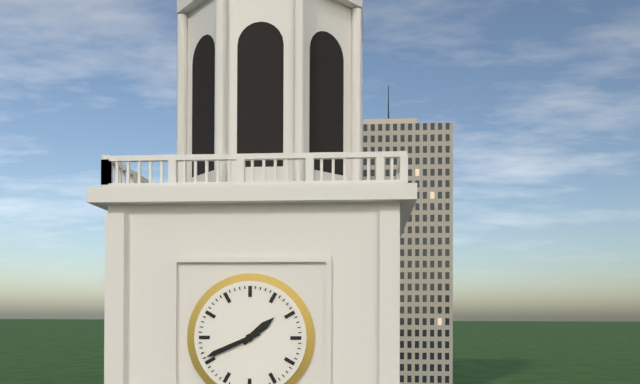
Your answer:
1 h 41 min
